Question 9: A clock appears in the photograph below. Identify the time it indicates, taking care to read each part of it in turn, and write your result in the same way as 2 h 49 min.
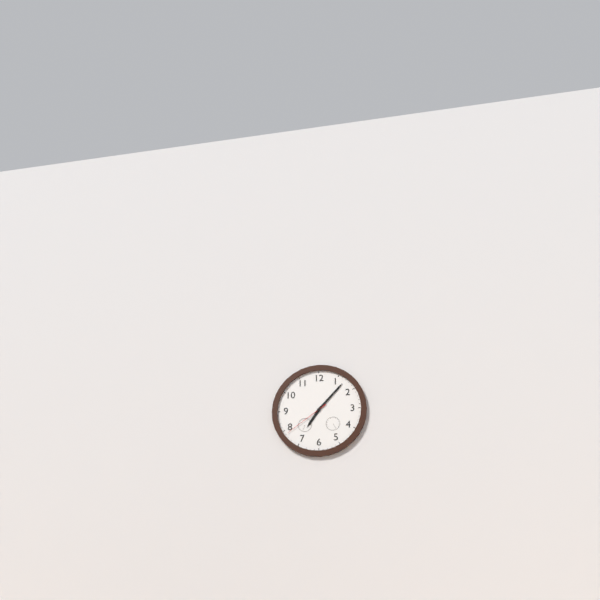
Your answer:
7 h 07 min
